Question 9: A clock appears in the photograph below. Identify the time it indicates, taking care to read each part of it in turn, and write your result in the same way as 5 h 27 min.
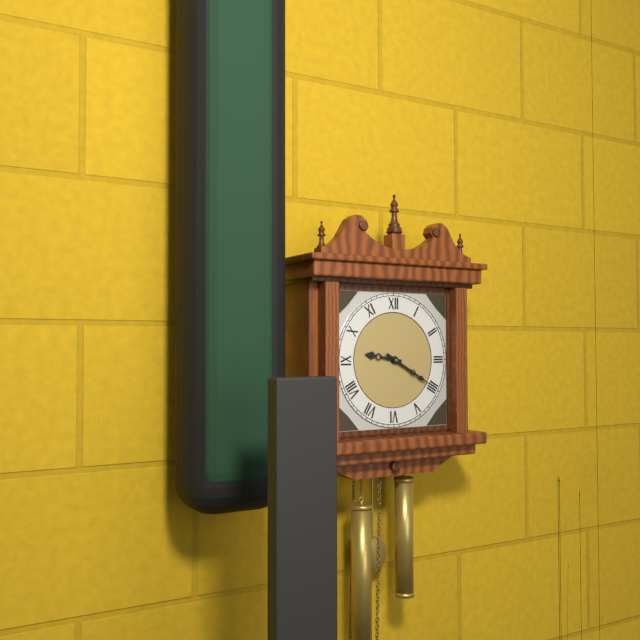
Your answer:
9 h 20 min
